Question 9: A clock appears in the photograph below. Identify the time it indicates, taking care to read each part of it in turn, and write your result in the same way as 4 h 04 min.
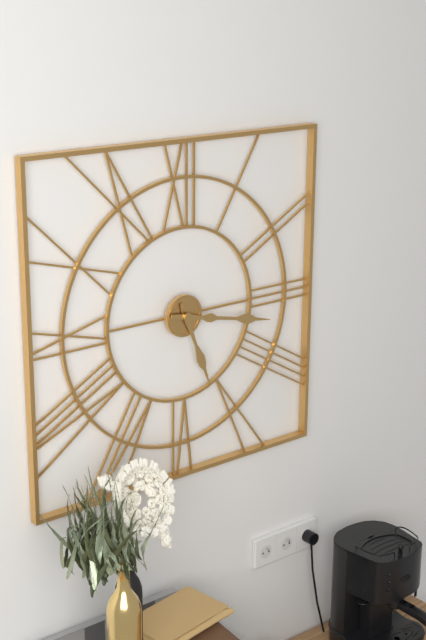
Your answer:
5 h 17 min
